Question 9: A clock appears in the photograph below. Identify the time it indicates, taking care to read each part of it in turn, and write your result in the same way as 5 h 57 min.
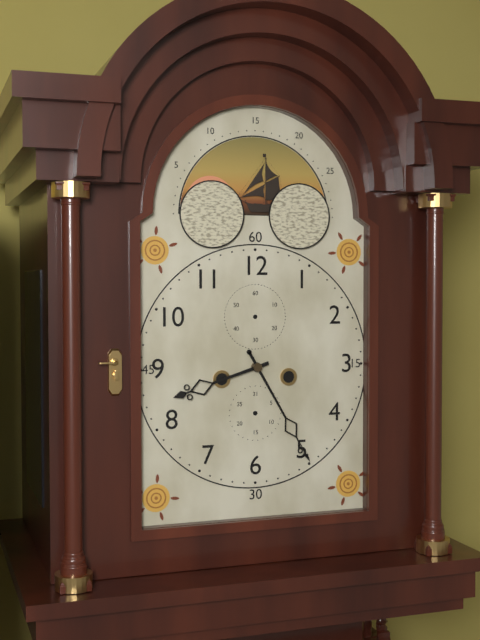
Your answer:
8 h 25 min
